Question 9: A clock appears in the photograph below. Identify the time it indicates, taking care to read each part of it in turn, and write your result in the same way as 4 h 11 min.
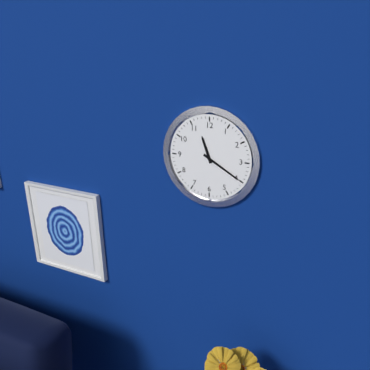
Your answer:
11 h 20 min
